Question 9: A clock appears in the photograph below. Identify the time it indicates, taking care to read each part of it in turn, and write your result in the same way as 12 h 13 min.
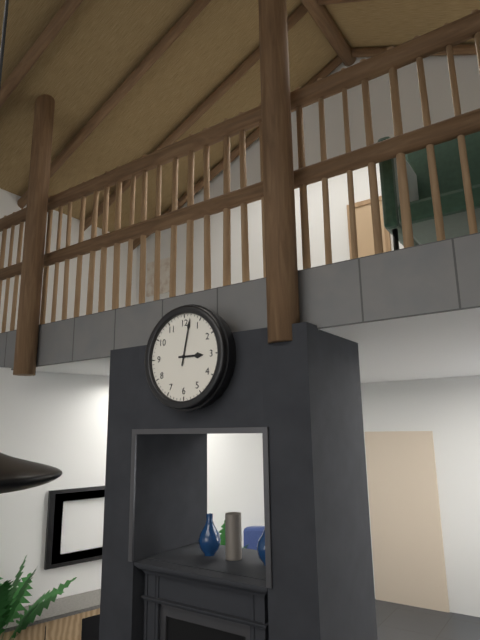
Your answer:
3 h 02 min
